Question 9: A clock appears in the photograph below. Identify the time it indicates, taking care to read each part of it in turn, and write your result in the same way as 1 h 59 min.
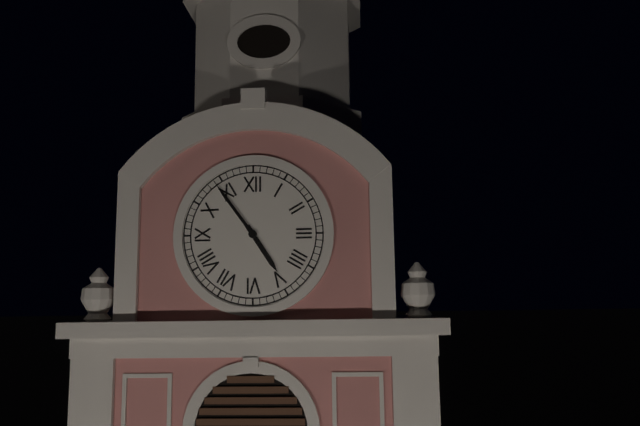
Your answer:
4 h 54 min
